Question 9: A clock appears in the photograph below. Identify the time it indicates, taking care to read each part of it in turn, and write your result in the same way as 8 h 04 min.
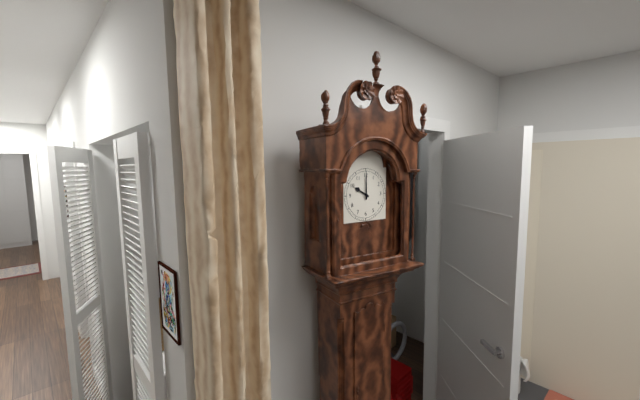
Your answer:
10 h 00 min
